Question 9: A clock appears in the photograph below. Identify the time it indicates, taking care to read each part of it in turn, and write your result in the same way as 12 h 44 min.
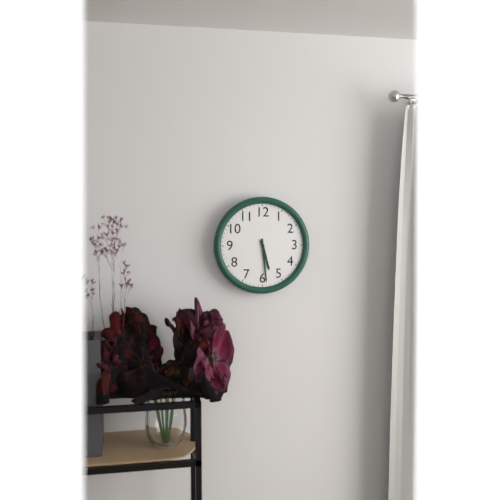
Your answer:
5 h 29 min
